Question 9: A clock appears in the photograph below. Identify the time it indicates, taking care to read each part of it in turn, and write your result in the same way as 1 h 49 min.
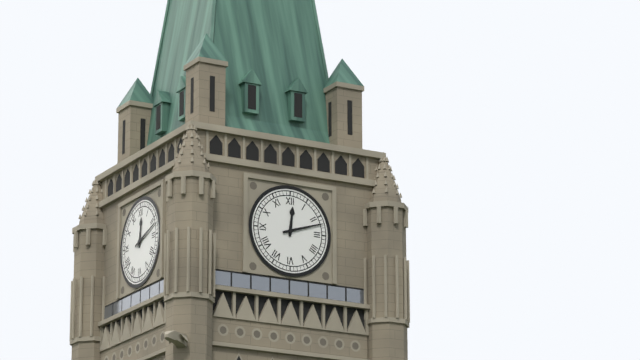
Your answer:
12 h 12 min
